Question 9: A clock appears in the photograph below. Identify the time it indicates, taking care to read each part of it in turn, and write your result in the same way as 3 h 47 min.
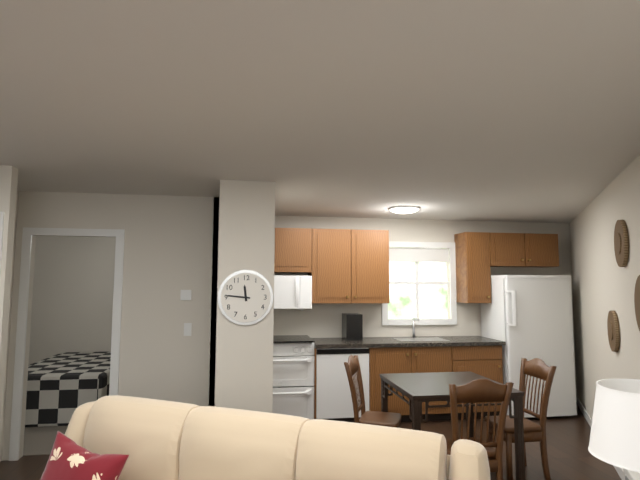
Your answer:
11 h 46 min
